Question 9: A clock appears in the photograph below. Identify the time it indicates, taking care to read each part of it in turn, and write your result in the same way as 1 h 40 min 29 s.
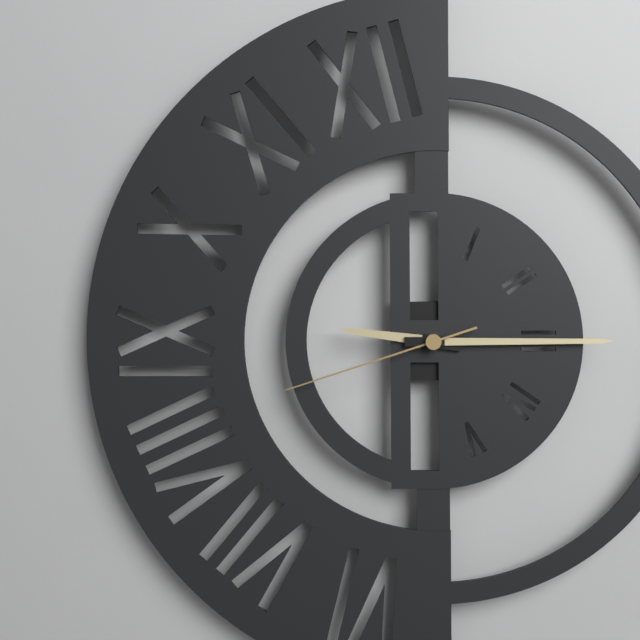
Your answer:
9 h 15 min 42 s
